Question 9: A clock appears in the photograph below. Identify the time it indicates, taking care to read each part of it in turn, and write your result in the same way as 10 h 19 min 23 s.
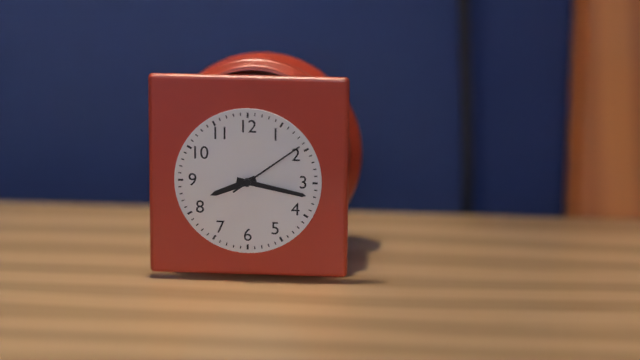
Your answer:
8 h 17 min 09 s
